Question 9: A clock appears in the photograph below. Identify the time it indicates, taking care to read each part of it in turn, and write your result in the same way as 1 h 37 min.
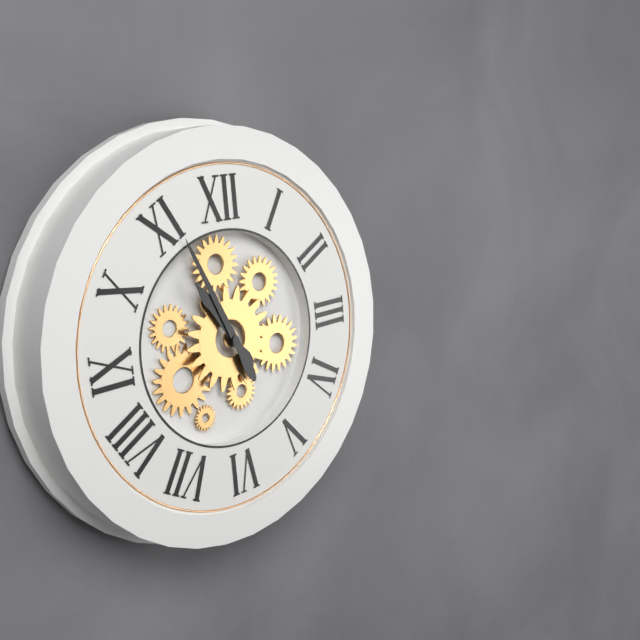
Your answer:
10 h 56 min
